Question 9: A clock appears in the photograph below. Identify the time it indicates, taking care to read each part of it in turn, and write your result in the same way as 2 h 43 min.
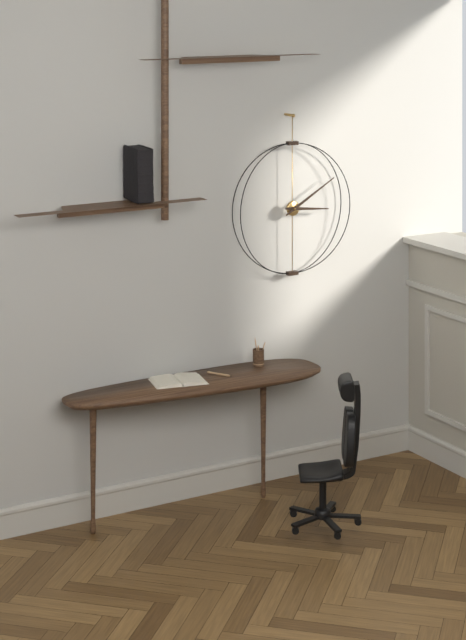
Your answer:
3 h 10 min
